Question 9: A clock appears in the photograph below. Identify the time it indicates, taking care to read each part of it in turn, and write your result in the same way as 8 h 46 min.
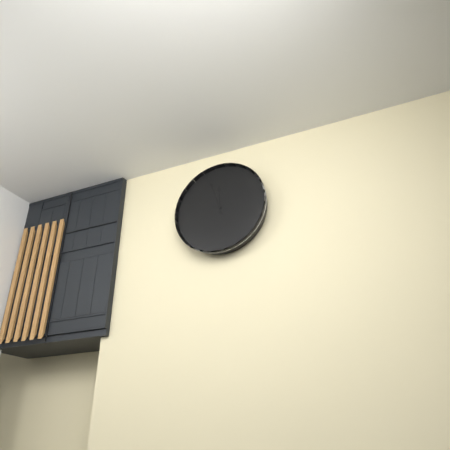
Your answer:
11 h 57 min
